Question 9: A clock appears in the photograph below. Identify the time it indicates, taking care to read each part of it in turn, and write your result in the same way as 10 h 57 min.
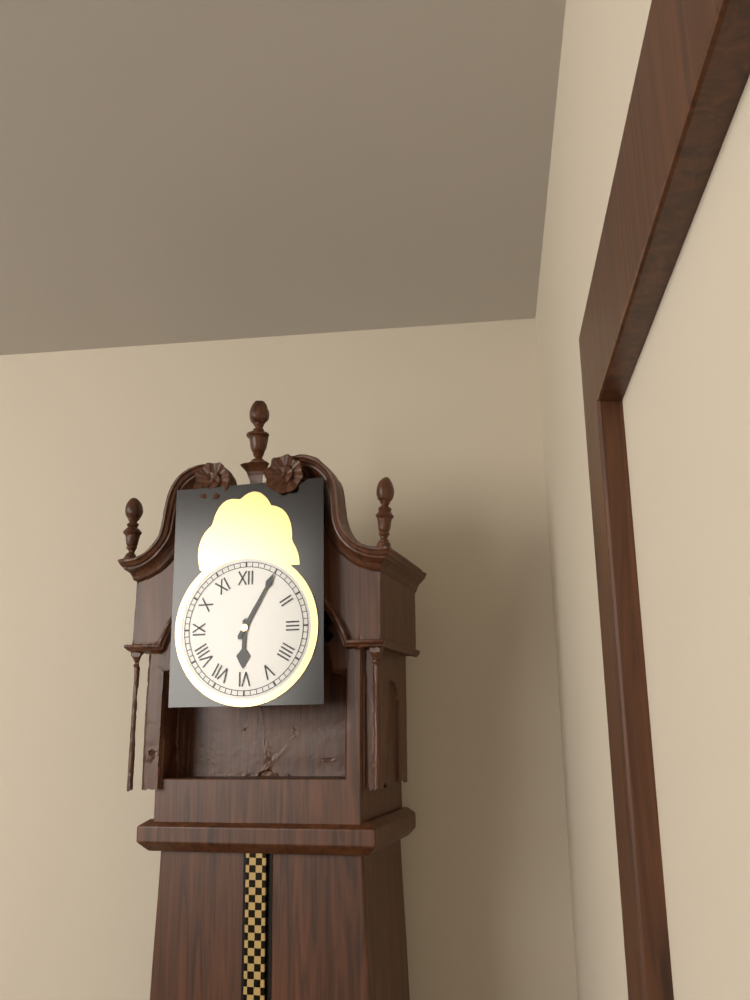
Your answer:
6 h 05 min
